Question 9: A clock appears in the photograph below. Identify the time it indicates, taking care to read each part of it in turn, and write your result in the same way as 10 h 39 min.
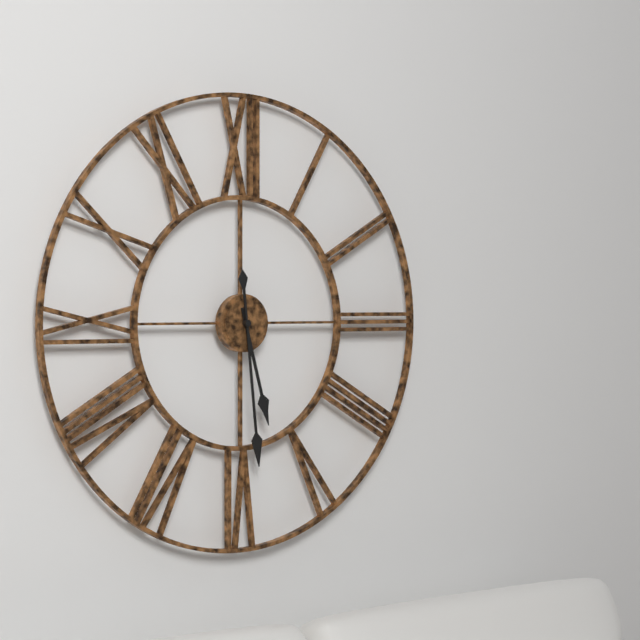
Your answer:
5 h 29 min
